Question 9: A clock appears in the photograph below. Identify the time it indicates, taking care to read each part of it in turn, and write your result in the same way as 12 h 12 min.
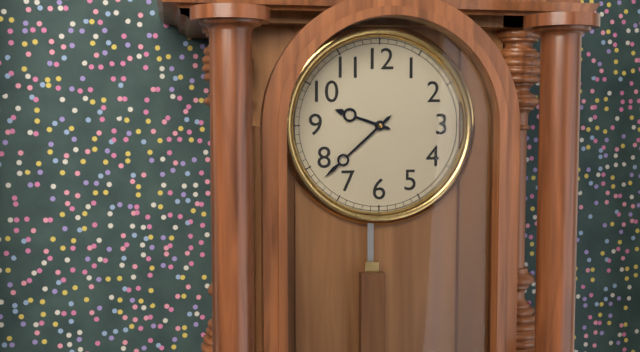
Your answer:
9 h 38 min
